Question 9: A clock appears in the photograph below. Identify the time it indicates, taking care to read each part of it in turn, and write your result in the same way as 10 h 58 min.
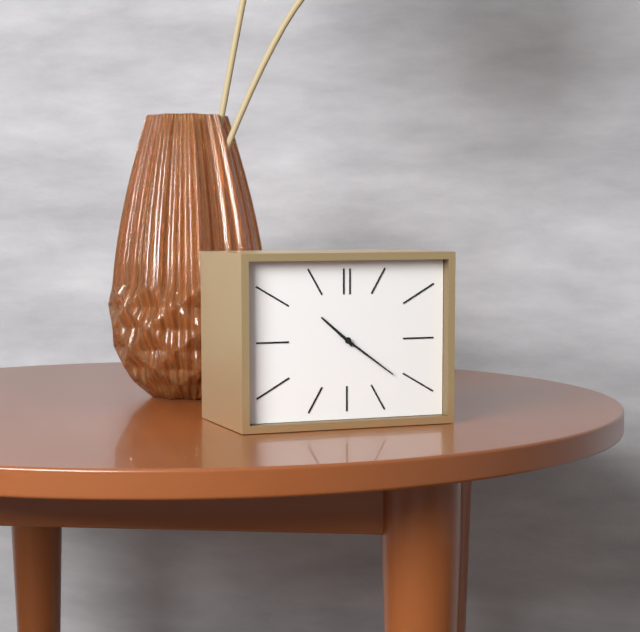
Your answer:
10 h 21 min
